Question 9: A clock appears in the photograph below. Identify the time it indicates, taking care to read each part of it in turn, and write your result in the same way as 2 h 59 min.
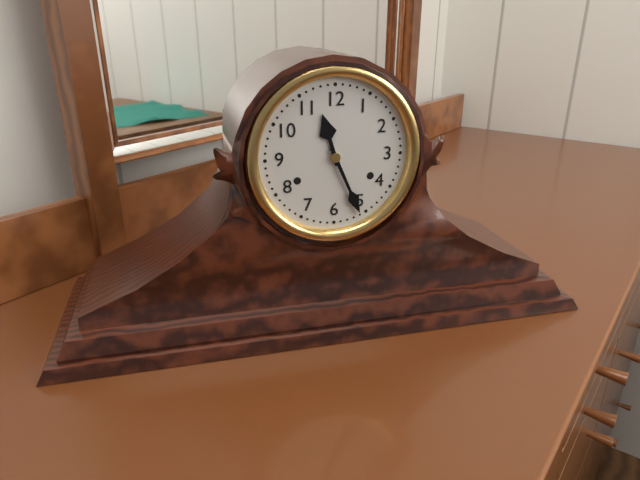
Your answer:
11 h 26 min
